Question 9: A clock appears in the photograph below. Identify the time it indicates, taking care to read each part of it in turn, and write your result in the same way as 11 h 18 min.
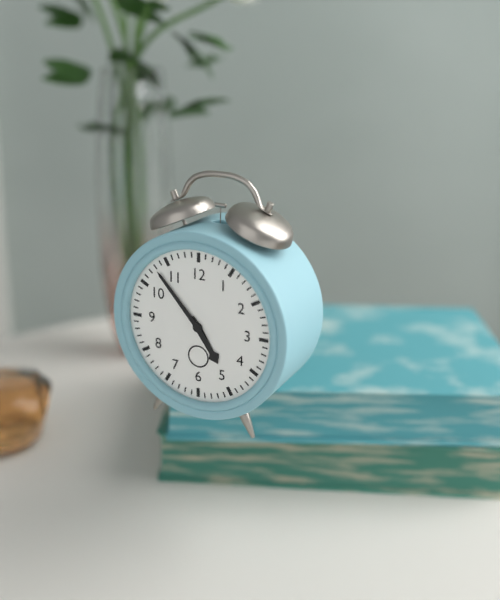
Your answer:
4 h 53 min
